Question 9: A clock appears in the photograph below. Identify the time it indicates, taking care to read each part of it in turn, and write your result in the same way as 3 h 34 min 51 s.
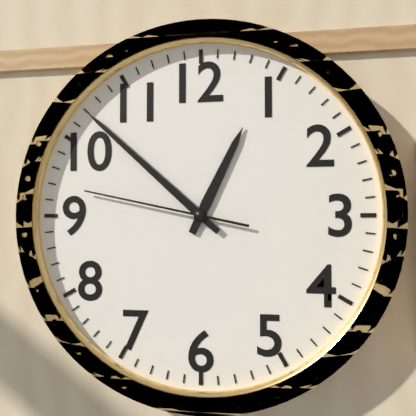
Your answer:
12 h 52 min 47 s
